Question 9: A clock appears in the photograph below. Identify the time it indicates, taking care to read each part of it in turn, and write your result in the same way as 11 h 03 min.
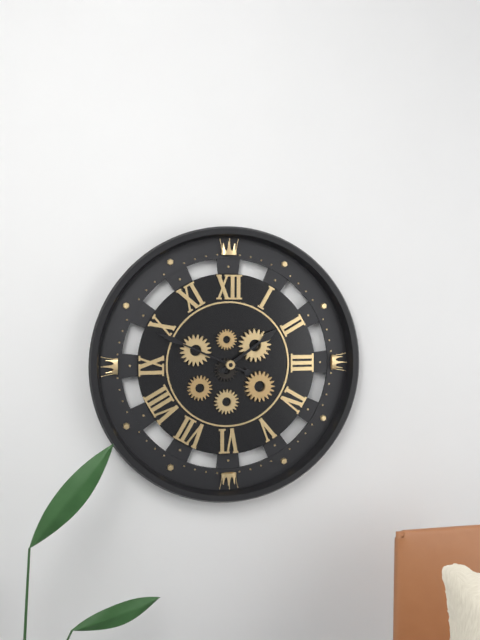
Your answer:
1 h 49 min
